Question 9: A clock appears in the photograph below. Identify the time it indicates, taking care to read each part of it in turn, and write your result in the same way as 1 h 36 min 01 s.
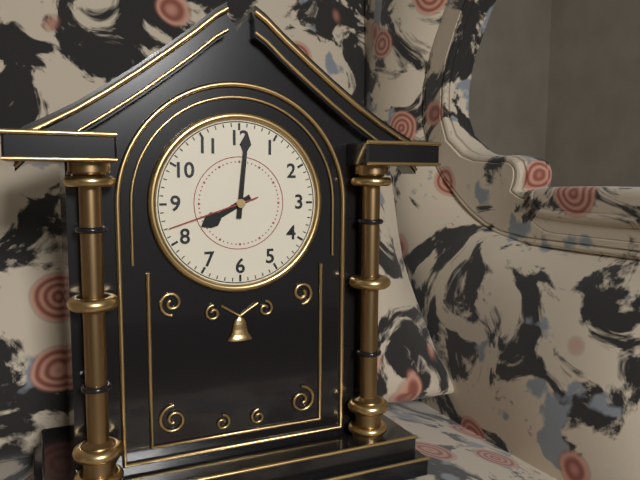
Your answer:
8 h 01 min 42 s
